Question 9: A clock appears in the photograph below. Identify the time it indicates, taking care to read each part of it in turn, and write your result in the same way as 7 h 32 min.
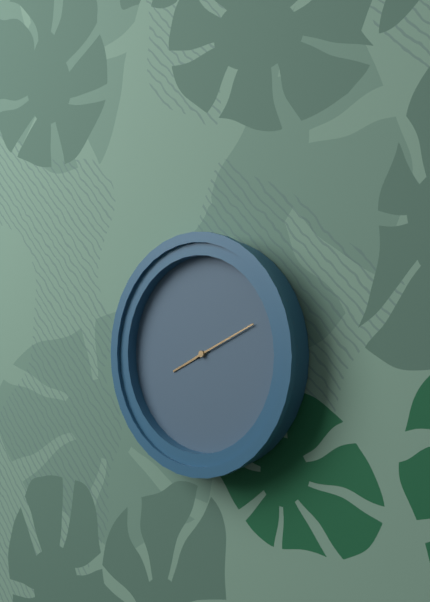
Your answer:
8 h 11 min
